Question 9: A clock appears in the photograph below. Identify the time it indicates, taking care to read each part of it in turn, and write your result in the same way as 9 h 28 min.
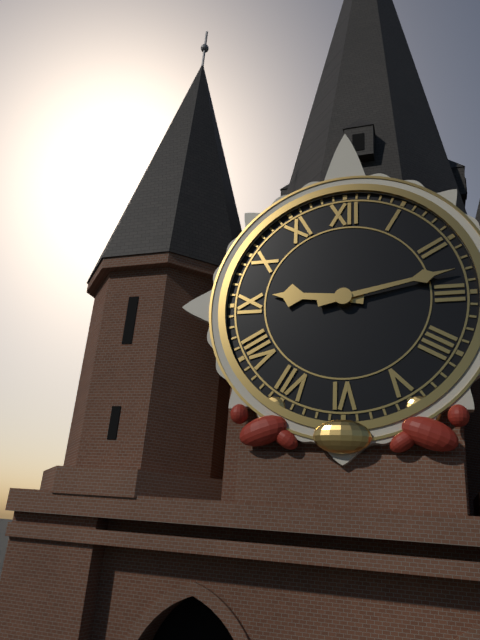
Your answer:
9 h 13 min
